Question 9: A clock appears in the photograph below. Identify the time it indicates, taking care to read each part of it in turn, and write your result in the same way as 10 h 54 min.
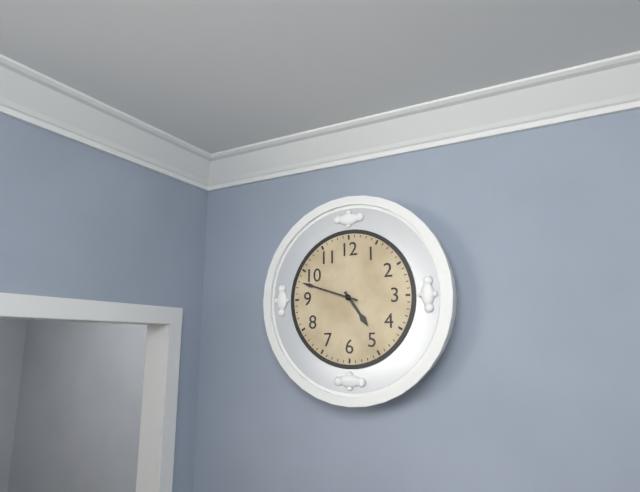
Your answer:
4 h 48 min
